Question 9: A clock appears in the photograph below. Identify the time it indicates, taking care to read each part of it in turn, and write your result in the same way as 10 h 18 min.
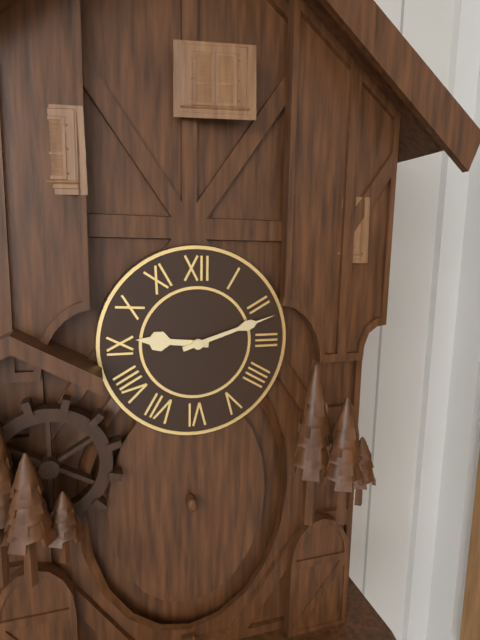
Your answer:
9 h 12 min
